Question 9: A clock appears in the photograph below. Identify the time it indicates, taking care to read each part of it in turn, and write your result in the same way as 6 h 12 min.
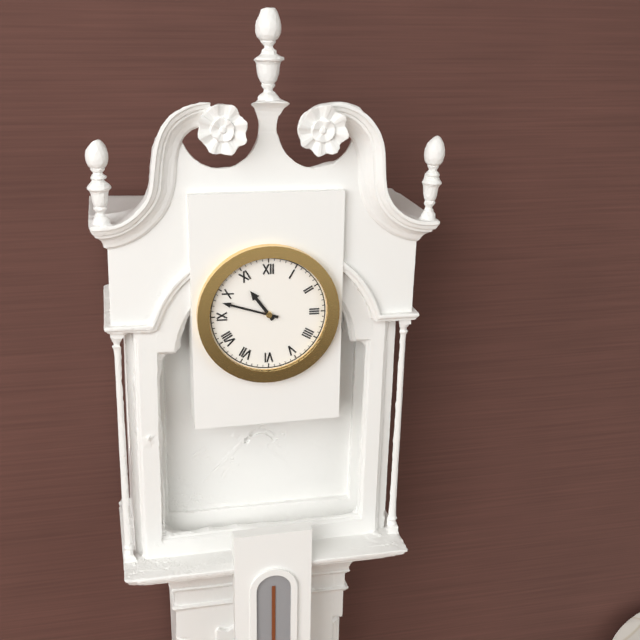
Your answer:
10 h 48 min
